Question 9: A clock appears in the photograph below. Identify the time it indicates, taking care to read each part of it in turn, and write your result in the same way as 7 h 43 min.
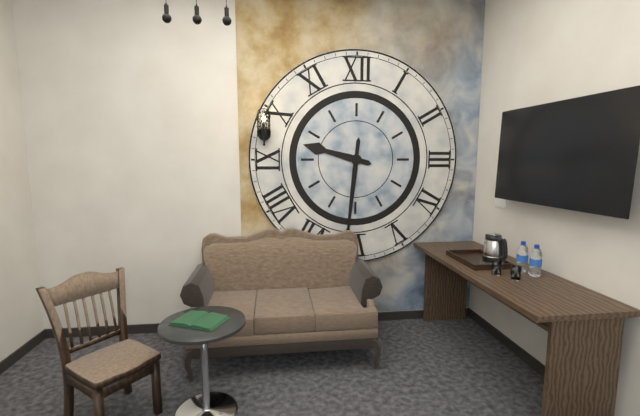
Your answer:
9 h 31 min
